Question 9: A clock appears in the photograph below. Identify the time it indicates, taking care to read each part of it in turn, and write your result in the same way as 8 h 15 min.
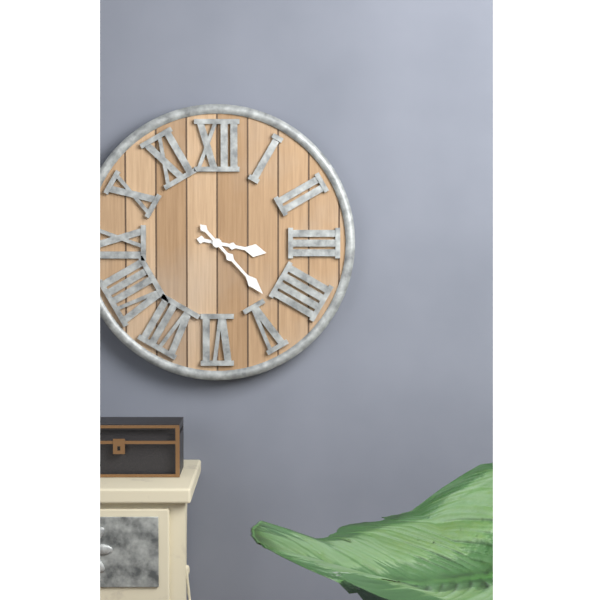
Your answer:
3 h 23 min
